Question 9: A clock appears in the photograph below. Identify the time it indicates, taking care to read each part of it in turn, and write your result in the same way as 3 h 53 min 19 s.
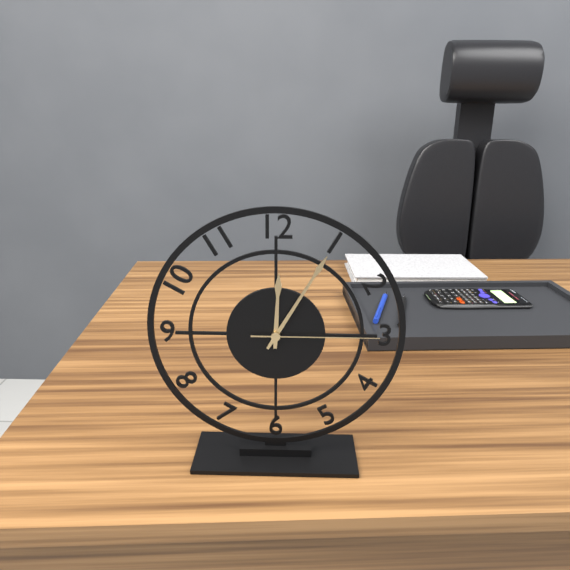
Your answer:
12 h 05 min 15 s
